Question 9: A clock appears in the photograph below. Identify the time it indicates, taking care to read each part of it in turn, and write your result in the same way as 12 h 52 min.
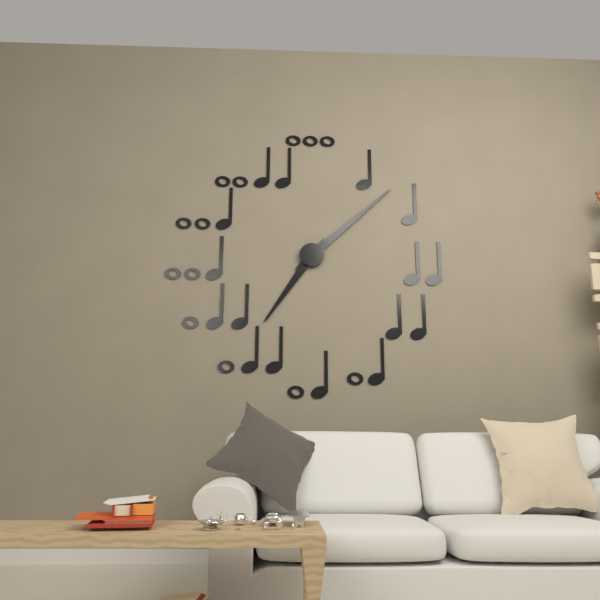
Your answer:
7 h 08 min
